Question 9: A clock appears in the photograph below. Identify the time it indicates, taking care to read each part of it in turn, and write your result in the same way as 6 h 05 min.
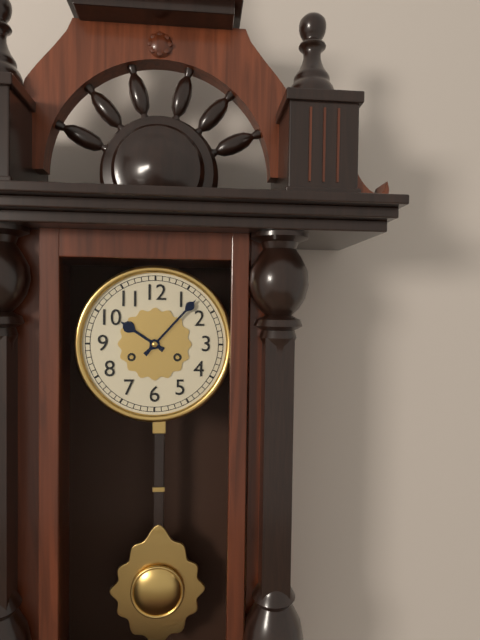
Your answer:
10 h 07 min
